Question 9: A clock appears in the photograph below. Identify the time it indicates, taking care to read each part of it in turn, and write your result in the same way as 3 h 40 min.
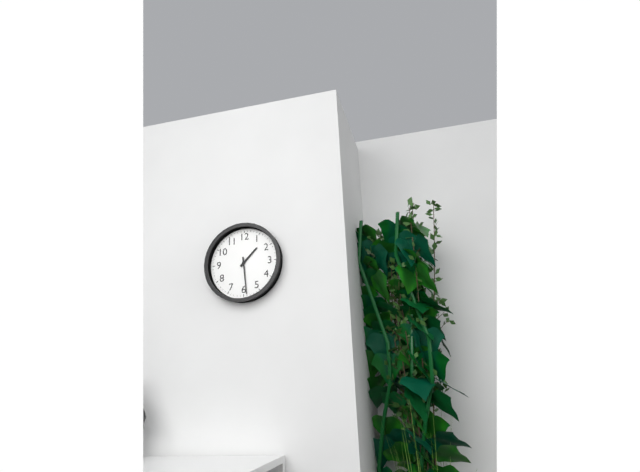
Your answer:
1 h 29 min
